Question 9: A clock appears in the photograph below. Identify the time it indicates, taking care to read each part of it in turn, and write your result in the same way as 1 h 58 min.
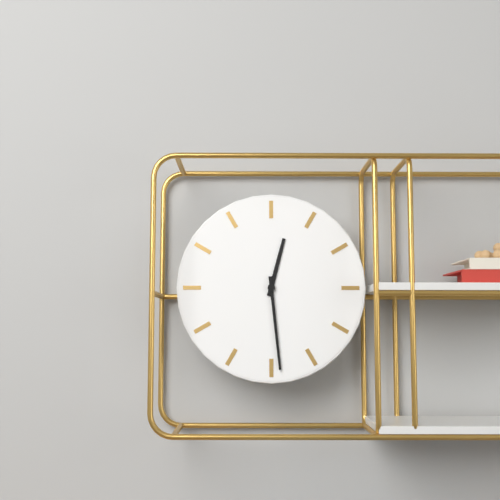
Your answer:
12 h 29 min
